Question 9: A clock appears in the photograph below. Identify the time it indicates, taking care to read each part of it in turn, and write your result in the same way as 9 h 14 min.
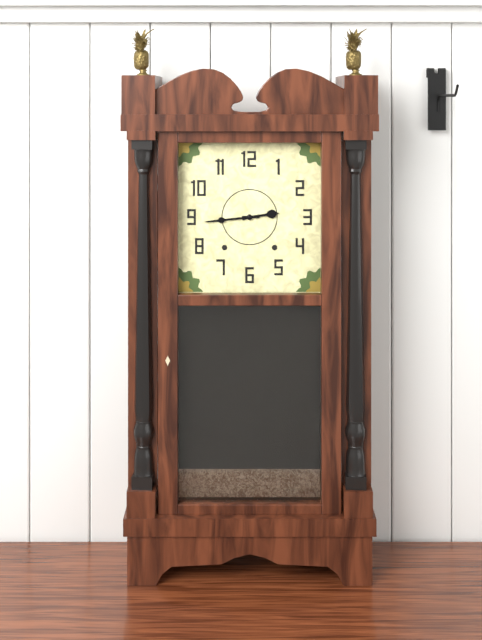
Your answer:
2 h 44 min
